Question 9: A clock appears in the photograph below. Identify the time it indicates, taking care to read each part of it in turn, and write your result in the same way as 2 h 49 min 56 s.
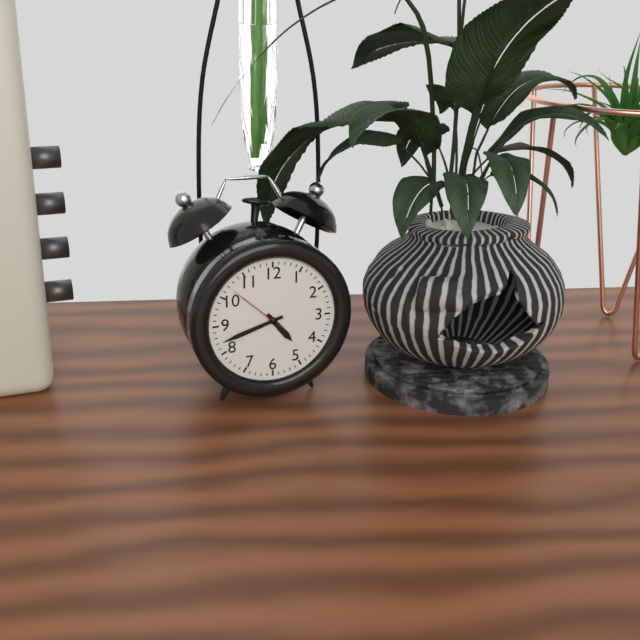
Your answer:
4 h 42 min 52 s
